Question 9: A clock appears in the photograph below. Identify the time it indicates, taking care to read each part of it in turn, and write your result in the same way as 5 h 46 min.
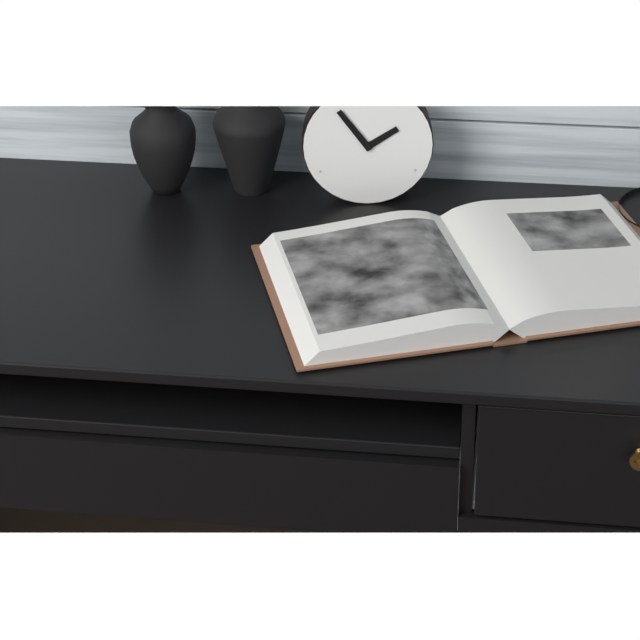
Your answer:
1 h 54 min
